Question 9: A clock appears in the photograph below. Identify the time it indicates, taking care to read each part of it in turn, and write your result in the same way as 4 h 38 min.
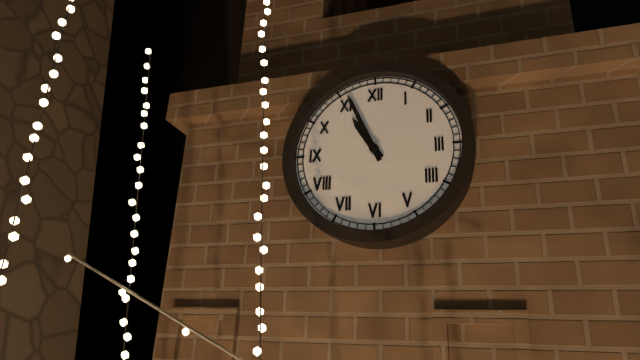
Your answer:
10 h 56 min
